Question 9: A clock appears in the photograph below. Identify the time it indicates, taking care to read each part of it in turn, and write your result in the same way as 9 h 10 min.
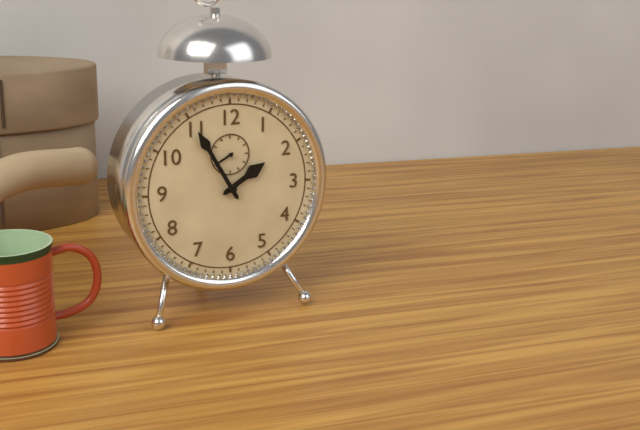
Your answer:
1 h 55 min
